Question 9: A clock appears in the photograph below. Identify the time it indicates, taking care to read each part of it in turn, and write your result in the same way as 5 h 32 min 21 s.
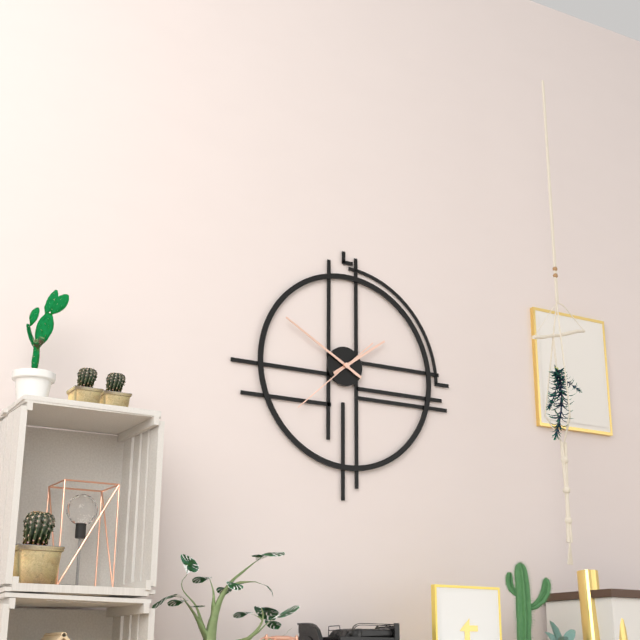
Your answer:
1 h 50 min 38 s
